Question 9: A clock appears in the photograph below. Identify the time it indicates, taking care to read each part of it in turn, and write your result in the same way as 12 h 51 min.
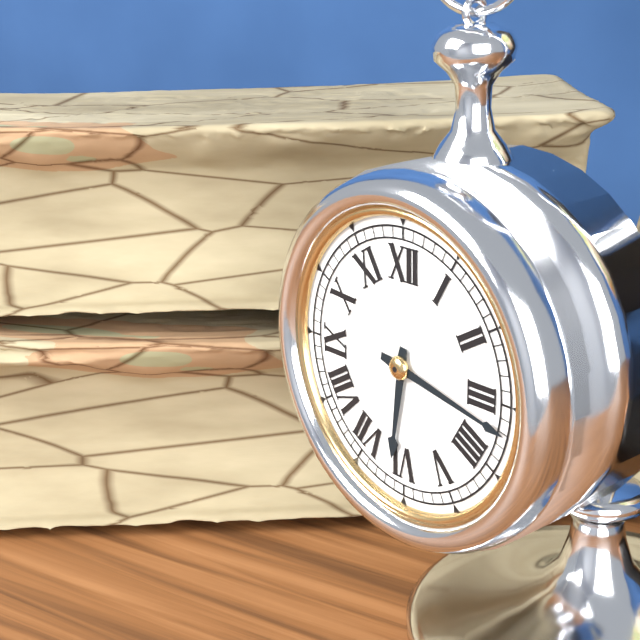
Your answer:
6 h 17 min
